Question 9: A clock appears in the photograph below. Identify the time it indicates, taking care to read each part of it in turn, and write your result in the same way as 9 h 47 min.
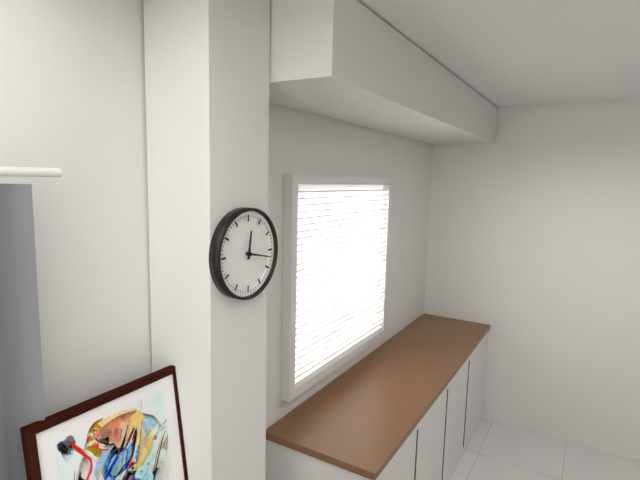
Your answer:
12 h 17 min
